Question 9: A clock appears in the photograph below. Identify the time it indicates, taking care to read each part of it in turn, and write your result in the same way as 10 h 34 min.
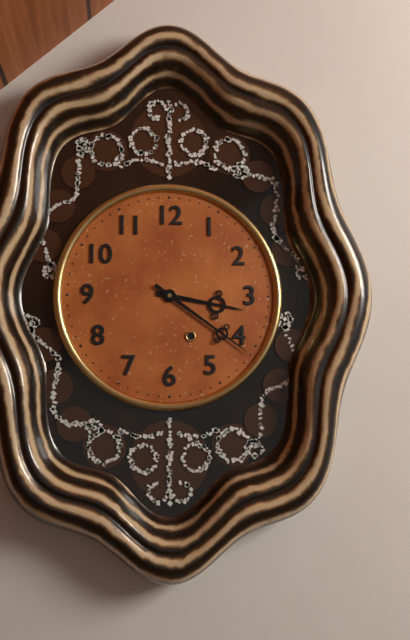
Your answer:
3 h 21 min
